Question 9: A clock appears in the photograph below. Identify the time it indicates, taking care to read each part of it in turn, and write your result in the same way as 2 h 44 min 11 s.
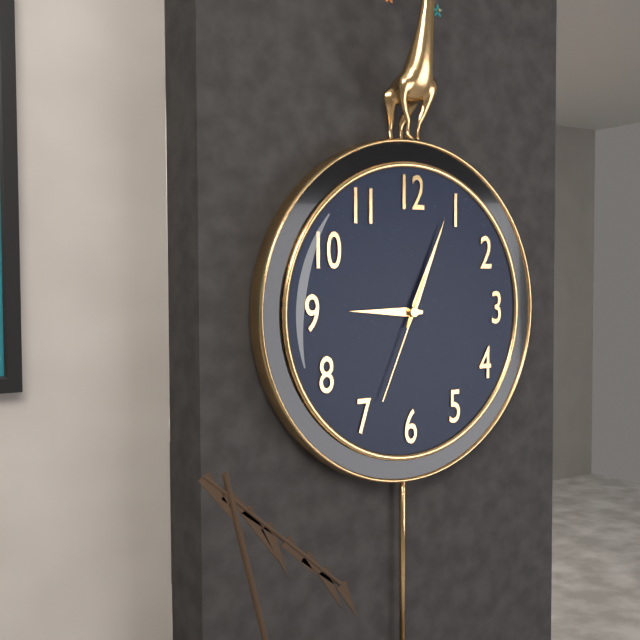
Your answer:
9 h 04 min 34 s
